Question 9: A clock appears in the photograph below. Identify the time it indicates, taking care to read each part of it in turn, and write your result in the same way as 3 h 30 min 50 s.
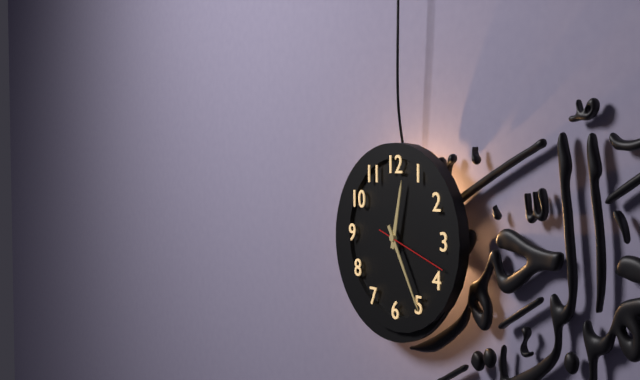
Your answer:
12 h 25 min 18 s
